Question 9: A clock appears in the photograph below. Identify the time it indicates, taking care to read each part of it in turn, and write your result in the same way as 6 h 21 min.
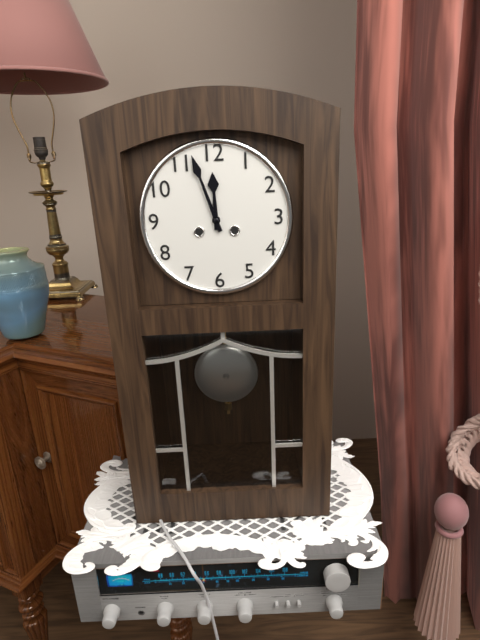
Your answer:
11 h 57 min
